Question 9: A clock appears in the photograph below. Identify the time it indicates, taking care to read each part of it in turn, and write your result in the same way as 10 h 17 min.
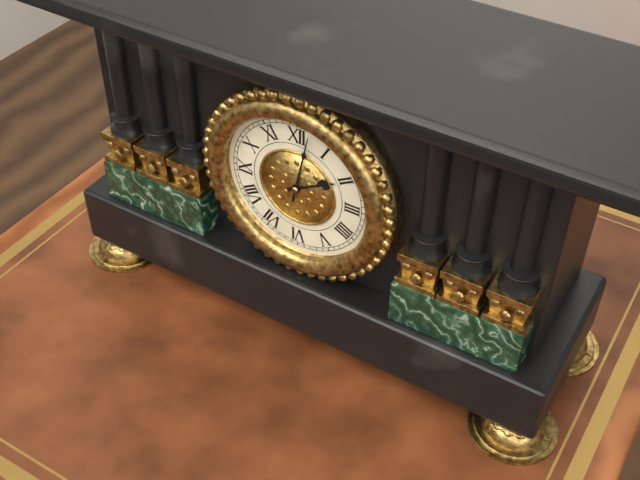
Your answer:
2 h 02 min
